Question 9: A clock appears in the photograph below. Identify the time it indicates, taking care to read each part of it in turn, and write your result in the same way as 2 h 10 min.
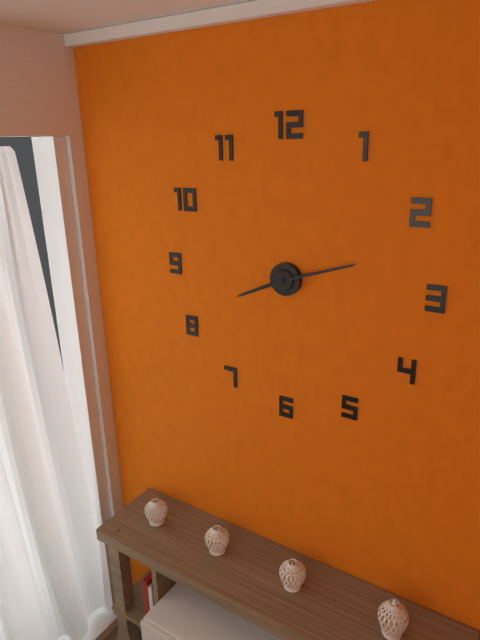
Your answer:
8 h 12 min
